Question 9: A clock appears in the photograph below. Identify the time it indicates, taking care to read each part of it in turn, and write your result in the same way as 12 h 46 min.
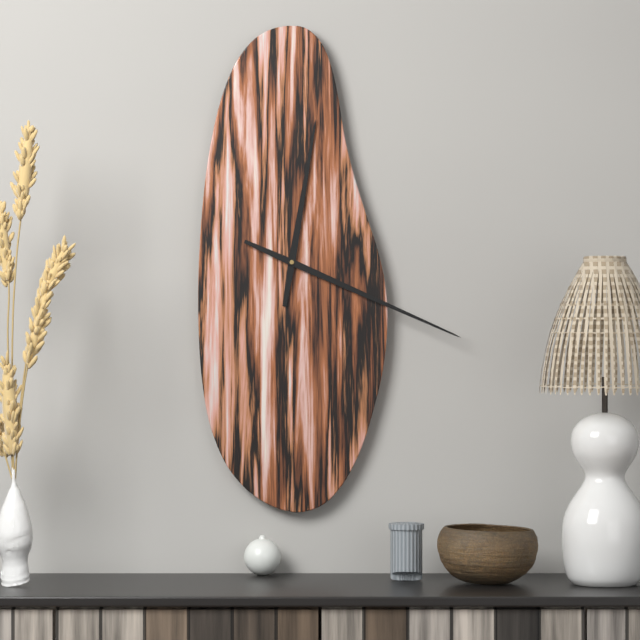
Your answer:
12 h 19 min
